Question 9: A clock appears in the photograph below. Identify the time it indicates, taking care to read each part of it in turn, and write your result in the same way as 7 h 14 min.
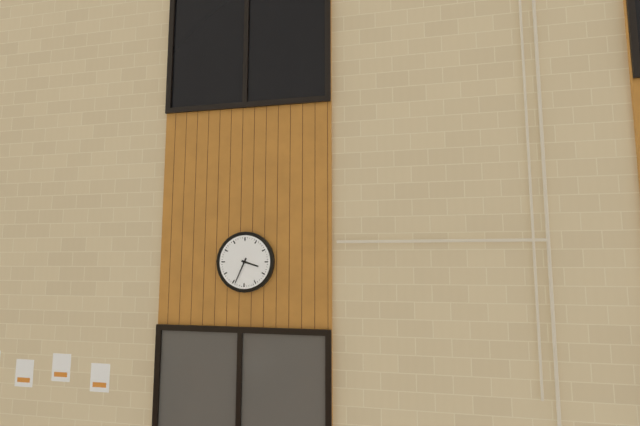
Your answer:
3 h 34 min
